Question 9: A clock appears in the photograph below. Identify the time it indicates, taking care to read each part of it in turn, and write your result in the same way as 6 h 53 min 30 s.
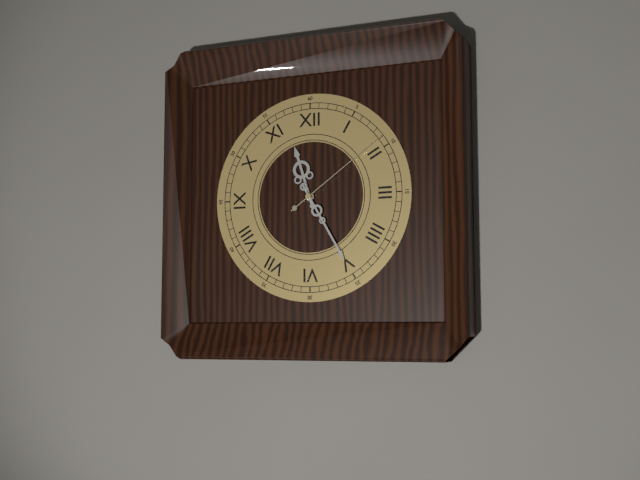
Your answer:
11 h 25 min 09 s
